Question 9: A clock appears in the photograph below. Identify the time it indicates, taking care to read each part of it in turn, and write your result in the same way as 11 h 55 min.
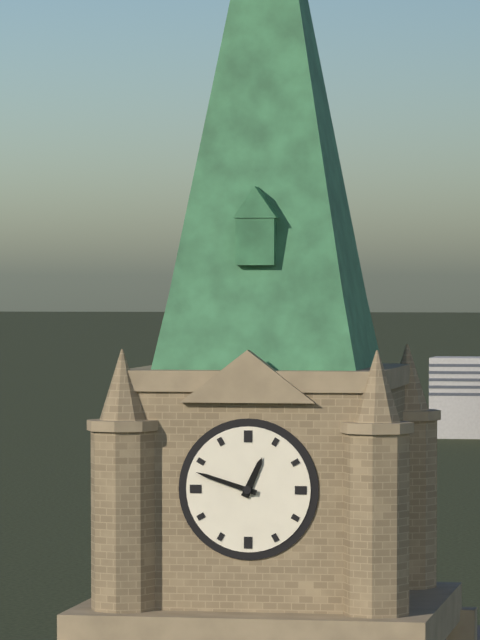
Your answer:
12 h 48 min
